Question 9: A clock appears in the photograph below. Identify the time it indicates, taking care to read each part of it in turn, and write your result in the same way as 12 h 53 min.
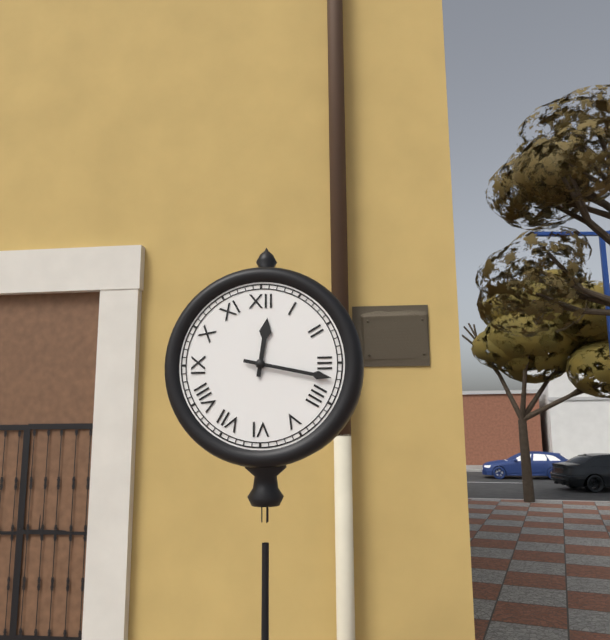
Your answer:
12 h 17 min
